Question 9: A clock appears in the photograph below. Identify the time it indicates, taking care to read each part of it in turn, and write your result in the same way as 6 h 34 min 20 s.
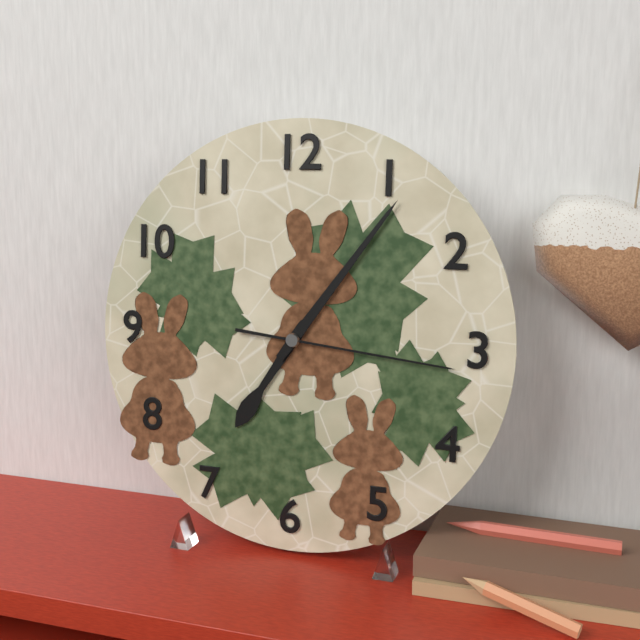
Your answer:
7 h 06 min 16 s
